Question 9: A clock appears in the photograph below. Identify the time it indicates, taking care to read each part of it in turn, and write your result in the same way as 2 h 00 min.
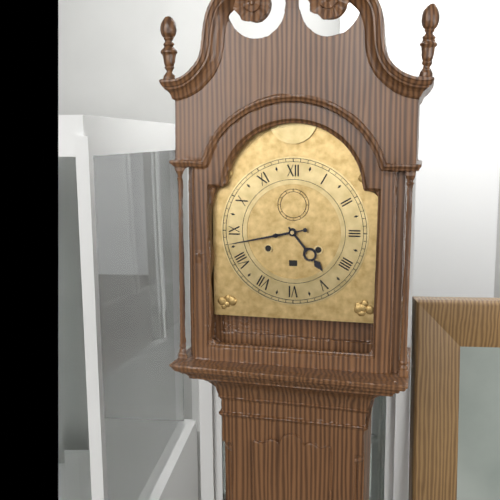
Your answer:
4 h 43 min
